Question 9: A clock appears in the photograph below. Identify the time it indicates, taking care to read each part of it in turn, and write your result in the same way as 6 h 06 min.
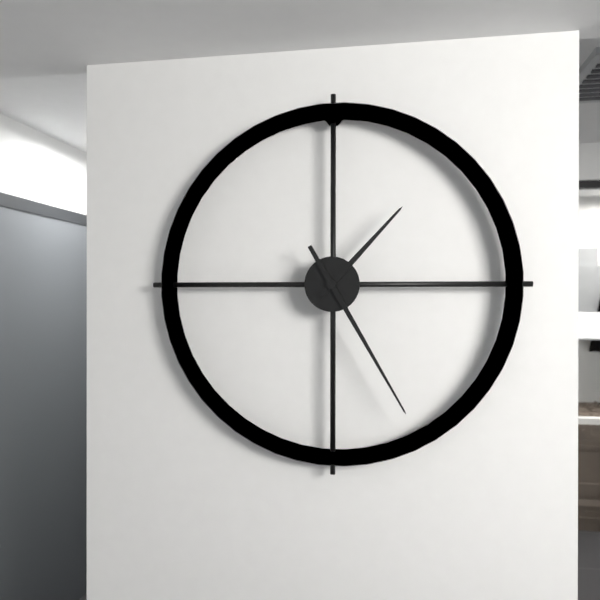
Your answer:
1 h 25 min
